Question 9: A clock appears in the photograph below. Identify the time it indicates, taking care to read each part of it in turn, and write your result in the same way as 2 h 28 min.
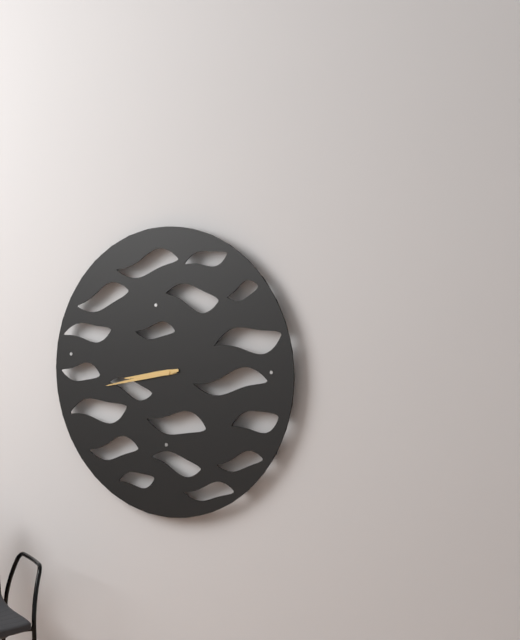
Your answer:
8 h 43 min
